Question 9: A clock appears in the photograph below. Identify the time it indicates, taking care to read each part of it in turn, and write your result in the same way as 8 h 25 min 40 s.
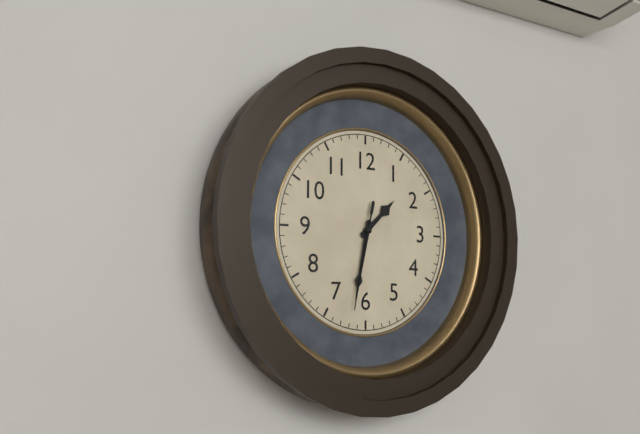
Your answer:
1 h 32 min 32 s
